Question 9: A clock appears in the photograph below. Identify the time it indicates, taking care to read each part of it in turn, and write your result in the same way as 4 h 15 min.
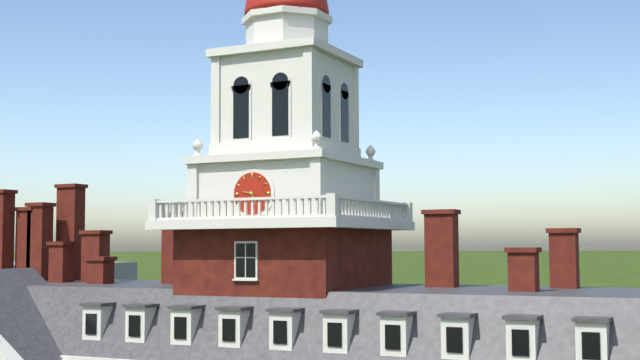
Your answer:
9 h 25 min
